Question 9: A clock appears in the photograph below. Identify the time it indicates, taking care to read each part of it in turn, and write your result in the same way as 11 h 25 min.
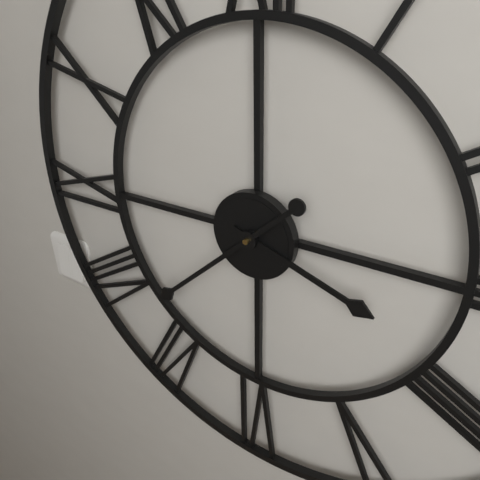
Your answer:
3 h 38 min
